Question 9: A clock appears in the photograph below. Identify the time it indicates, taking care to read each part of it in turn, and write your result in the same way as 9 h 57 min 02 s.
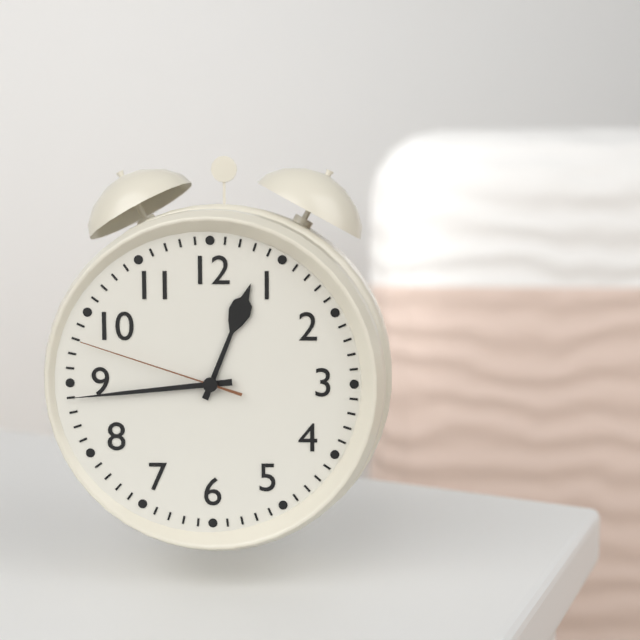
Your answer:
12 h 44 min 48 s
